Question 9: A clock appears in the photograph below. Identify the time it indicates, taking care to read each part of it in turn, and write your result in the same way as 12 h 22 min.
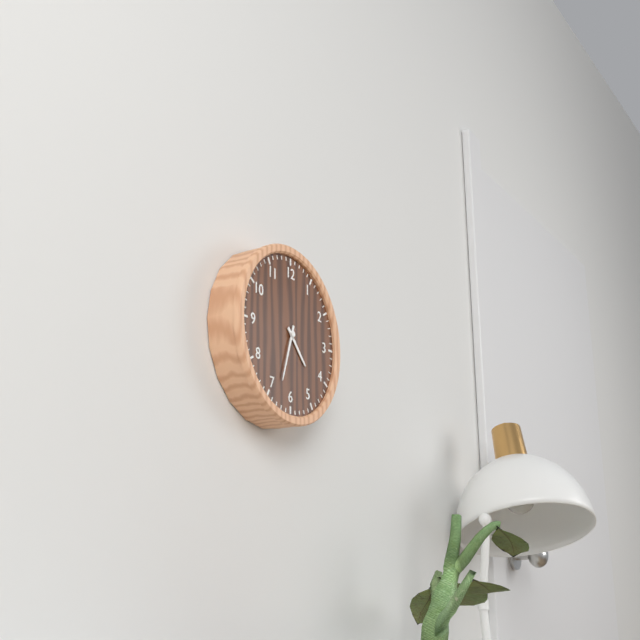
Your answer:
4 h 33 min
